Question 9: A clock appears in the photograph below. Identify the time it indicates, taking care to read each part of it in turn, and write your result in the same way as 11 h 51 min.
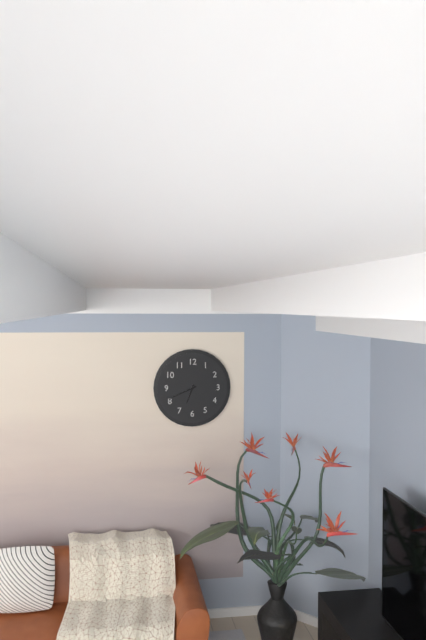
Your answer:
6 h 41 min
